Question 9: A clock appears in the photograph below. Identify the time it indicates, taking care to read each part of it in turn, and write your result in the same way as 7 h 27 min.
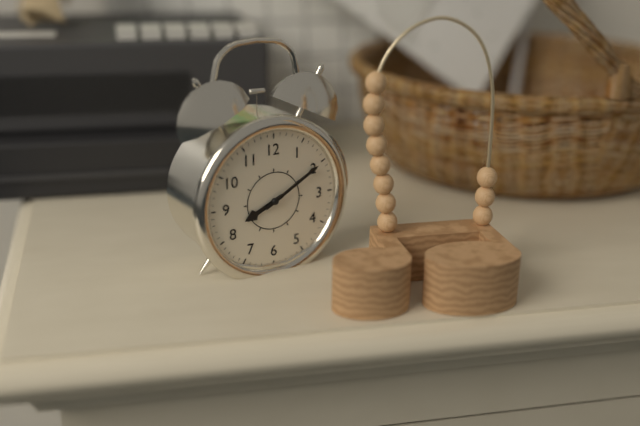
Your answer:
8 h 10 min
